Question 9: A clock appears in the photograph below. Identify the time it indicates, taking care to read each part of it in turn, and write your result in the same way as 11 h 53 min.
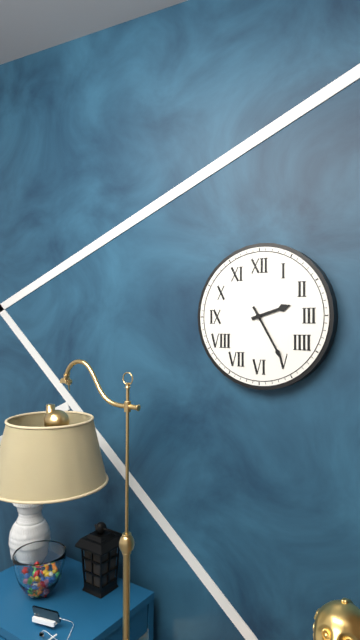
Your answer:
2 h 25 min
